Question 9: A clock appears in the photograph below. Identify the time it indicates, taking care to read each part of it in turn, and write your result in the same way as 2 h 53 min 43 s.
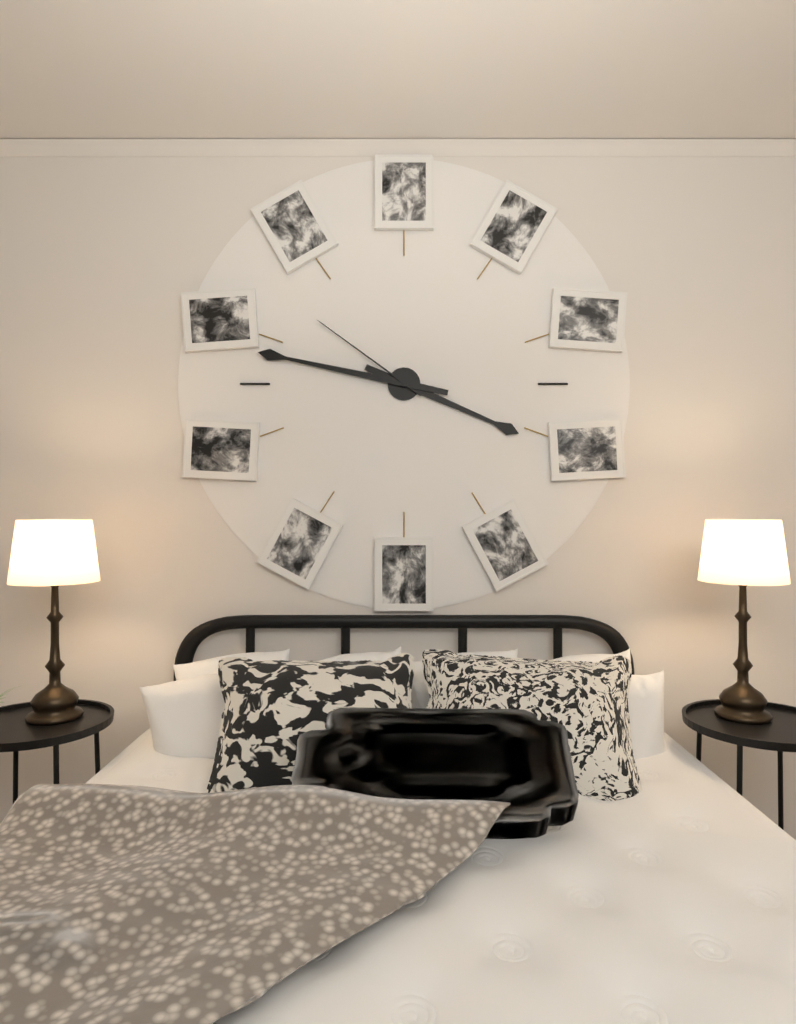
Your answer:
3 h 47 min 51 s
